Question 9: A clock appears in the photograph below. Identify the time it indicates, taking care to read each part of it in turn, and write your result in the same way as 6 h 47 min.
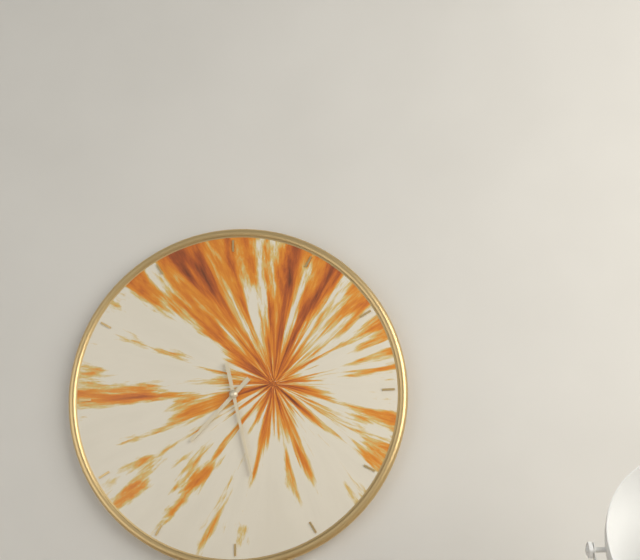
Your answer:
7 h 28 min
